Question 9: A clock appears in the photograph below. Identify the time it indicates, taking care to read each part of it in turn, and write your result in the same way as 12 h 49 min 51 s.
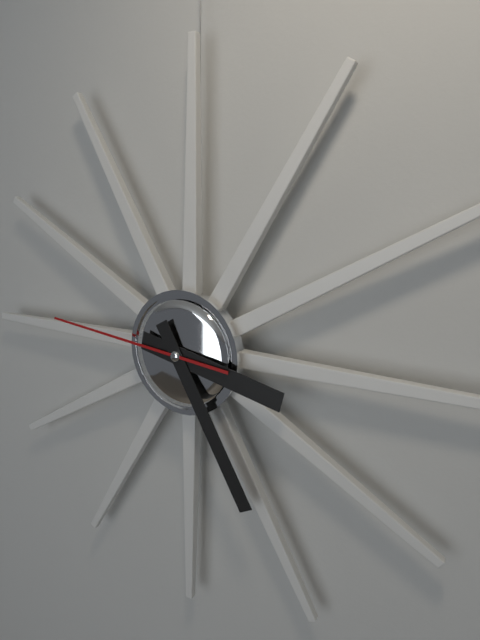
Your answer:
3 h 25 min 46 s
